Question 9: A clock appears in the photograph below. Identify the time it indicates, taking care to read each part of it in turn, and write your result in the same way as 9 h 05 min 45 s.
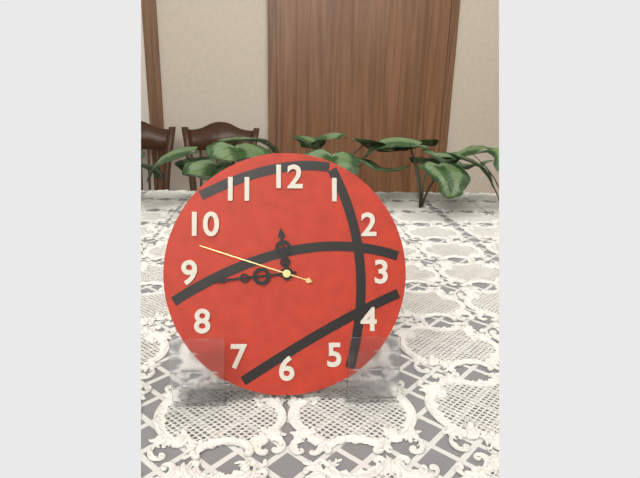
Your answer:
11 h 44 min 48 s
